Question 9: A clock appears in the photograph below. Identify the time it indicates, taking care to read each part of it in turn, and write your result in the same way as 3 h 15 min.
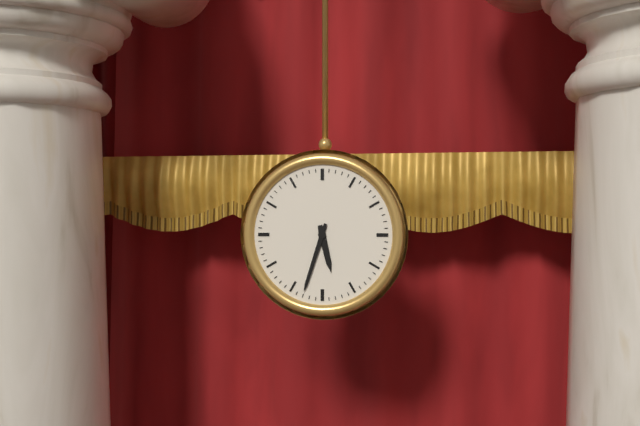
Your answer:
5 h 33 min
